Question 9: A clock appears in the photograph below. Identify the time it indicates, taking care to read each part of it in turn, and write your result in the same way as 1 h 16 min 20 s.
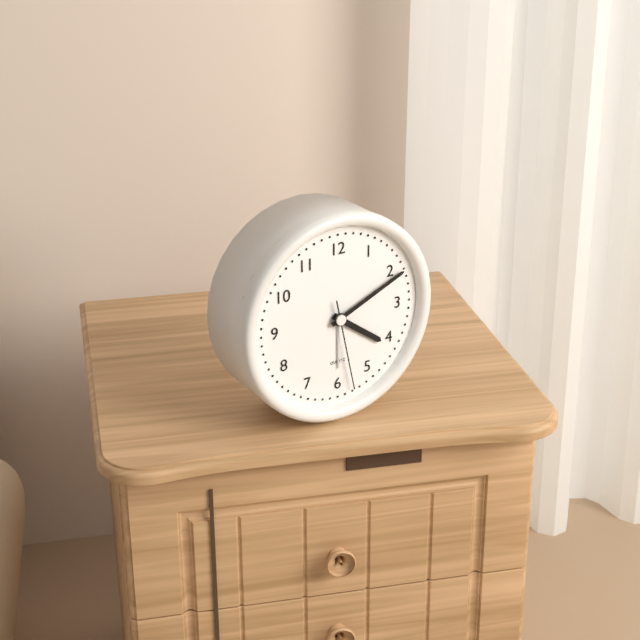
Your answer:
4 h 11 min 28 s
